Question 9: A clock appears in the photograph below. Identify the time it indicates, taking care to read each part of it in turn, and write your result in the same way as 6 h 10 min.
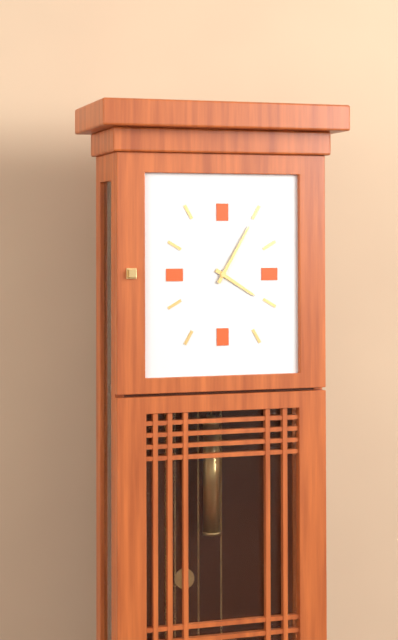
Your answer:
4 h 05 min
